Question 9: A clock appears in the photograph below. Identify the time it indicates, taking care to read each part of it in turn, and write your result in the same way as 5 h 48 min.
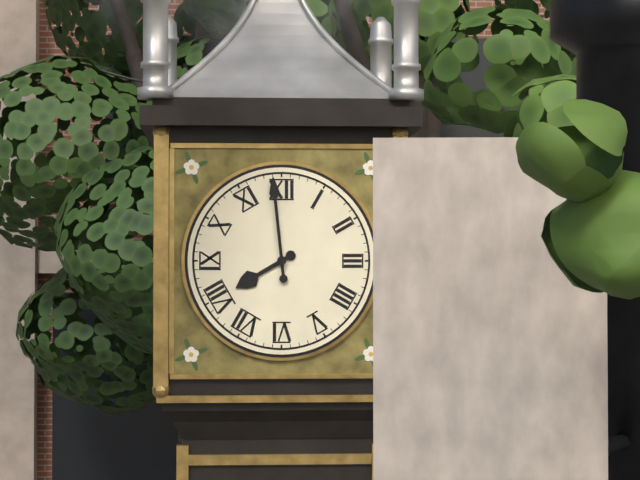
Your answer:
7 h 59 min
